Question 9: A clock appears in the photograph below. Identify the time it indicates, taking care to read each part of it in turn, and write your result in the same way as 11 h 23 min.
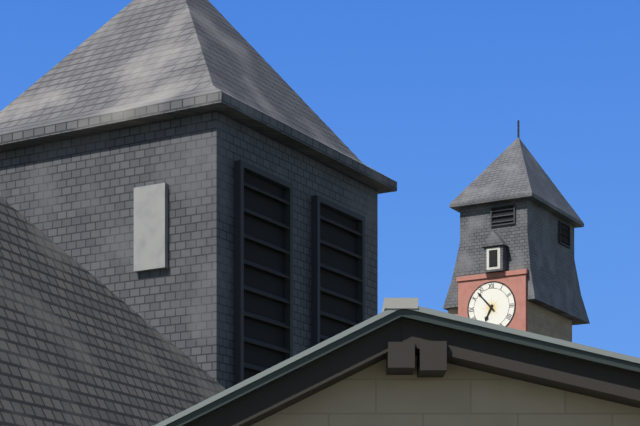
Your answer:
6 h 53 min
